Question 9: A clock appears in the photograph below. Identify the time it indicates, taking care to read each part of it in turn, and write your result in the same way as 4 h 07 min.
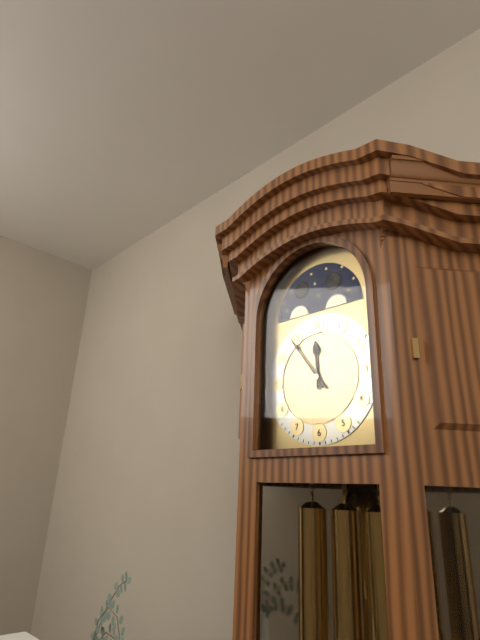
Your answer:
11 h 54 min
